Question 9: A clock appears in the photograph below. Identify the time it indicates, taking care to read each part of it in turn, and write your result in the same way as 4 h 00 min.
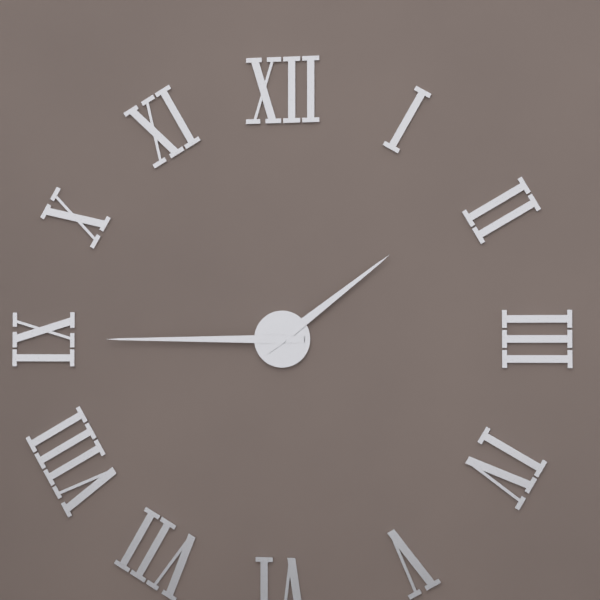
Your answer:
1 h 45 min
